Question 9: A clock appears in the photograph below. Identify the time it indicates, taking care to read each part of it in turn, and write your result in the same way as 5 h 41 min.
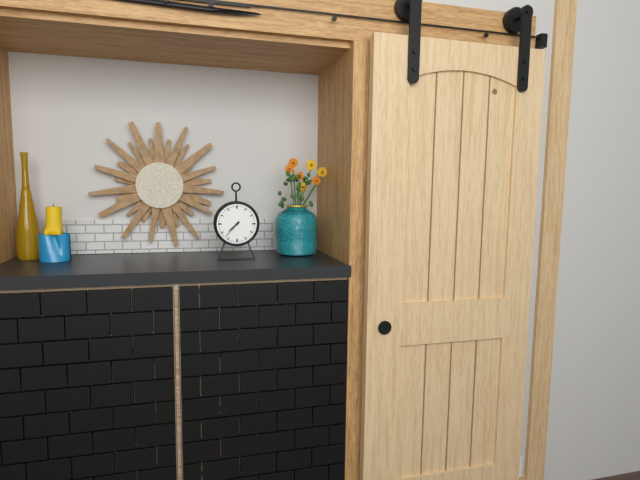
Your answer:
7 h 37 min
